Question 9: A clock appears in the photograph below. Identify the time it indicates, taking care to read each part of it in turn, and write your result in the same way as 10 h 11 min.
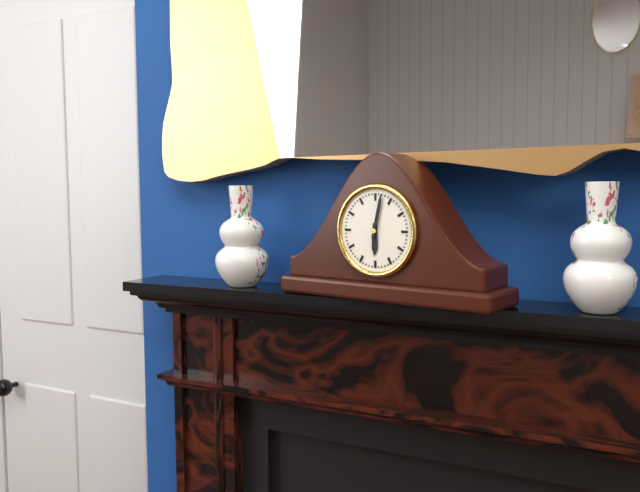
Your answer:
6 h 02 min
